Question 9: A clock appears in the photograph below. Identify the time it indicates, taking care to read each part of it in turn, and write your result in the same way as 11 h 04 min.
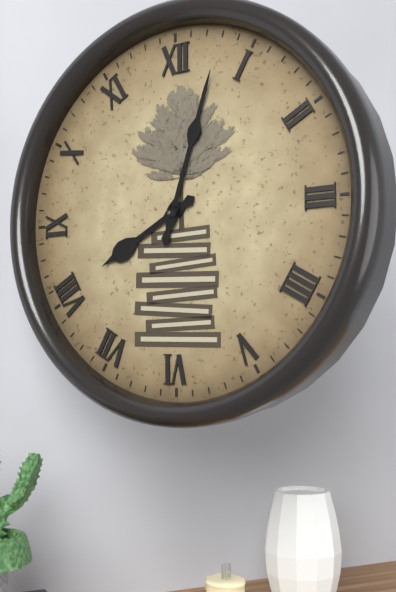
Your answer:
8 h 03 min
